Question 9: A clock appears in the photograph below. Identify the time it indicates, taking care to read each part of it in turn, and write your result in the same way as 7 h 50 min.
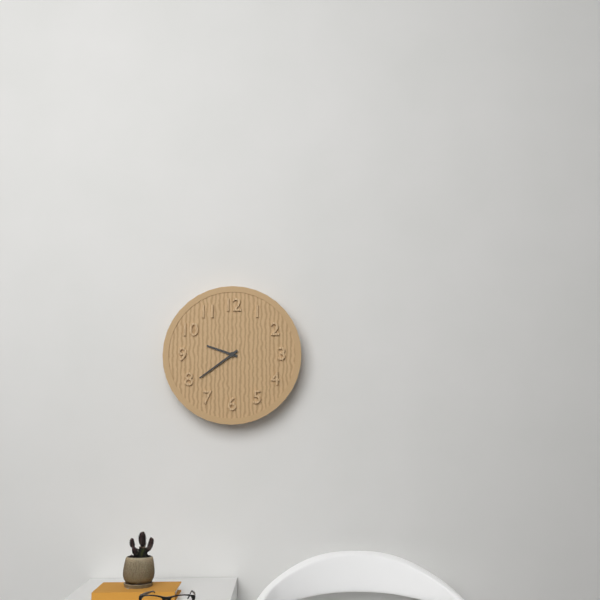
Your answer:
9 h 39 min
